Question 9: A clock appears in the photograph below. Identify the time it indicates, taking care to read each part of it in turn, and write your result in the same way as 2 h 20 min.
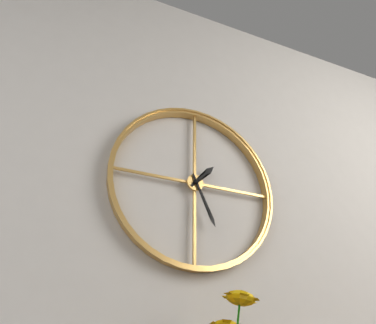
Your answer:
1 h 26 min
